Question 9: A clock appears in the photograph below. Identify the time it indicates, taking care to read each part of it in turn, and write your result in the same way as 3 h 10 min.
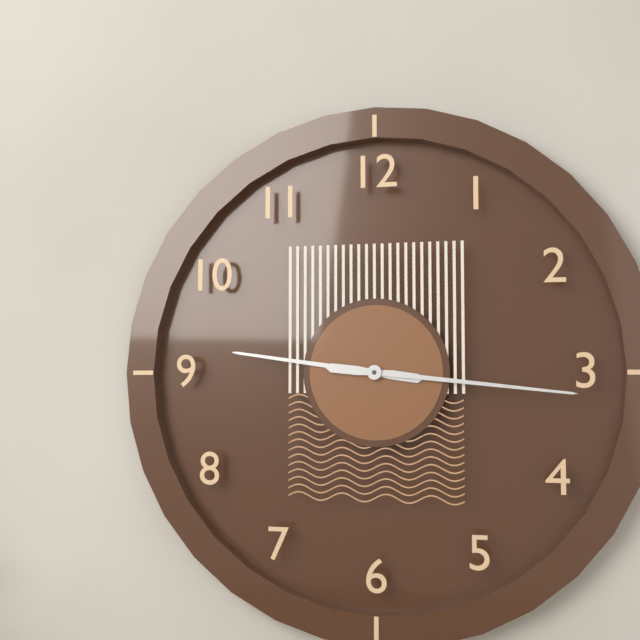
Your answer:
9 h 16 min
